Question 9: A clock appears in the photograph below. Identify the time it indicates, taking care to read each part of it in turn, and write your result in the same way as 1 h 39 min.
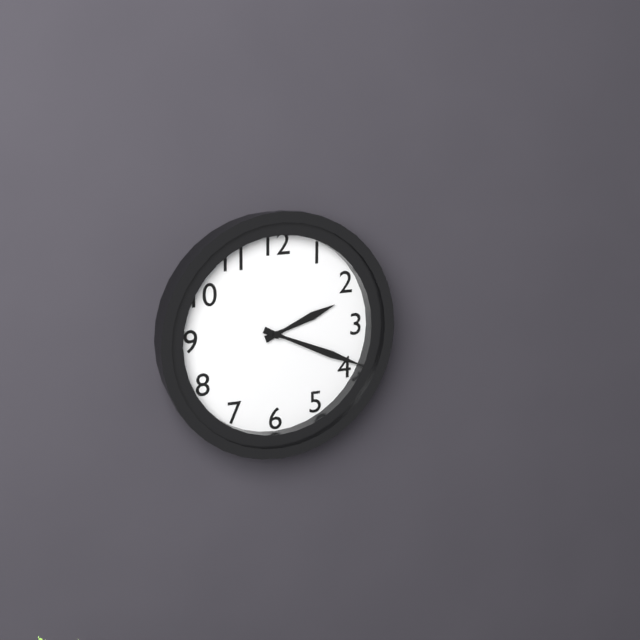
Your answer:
2 h 19 min
